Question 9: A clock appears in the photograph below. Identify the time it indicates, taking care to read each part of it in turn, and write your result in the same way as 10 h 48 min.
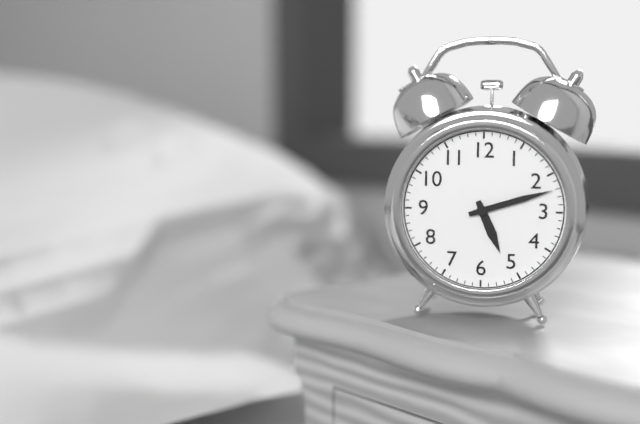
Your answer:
5 h 12 min
